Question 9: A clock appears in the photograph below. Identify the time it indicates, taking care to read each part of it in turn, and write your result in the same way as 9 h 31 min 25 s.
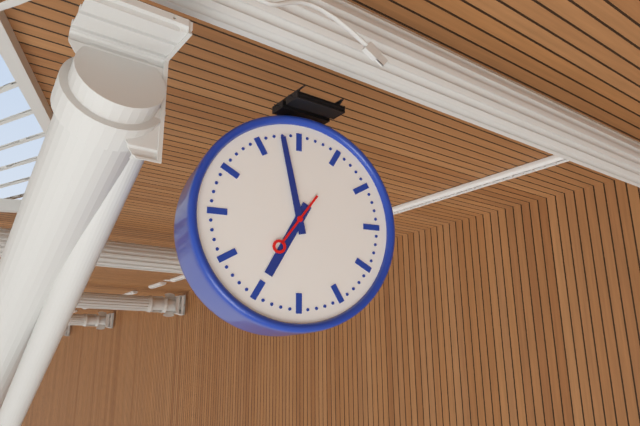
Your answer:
6 h 58 min 36 s
